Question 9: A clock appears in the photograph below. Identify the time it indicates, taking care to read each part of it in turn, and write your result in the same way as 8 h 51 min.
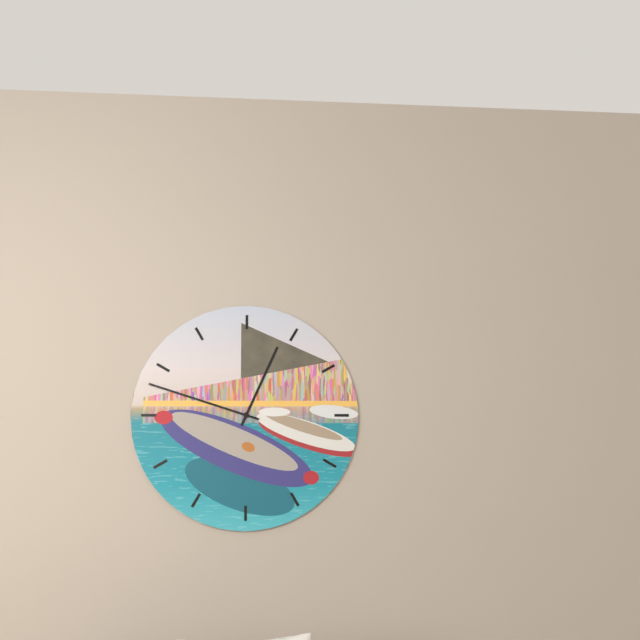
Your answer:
12 h 48 min
